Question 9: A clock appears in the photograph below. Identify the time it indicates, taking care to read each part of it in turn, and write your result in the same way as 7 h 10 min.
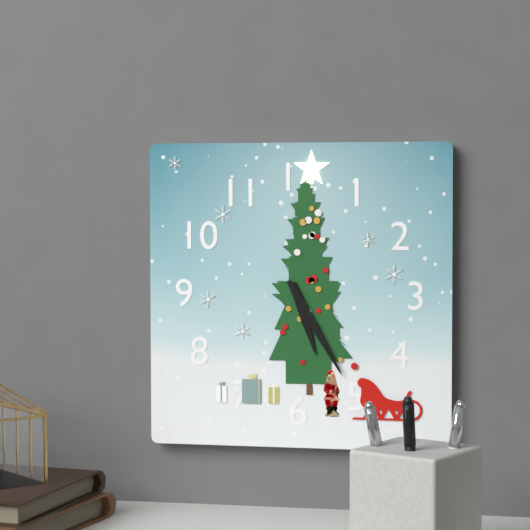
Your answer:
5 h 25 min
